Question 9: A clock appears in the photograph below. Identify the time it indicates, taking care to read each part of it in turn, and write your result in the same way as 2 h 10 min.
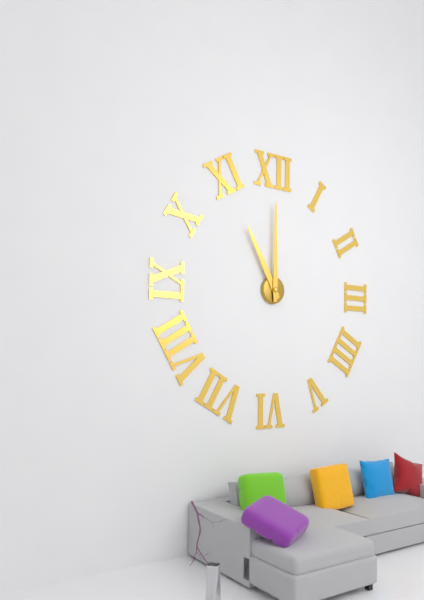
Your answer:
11 h 00 min
